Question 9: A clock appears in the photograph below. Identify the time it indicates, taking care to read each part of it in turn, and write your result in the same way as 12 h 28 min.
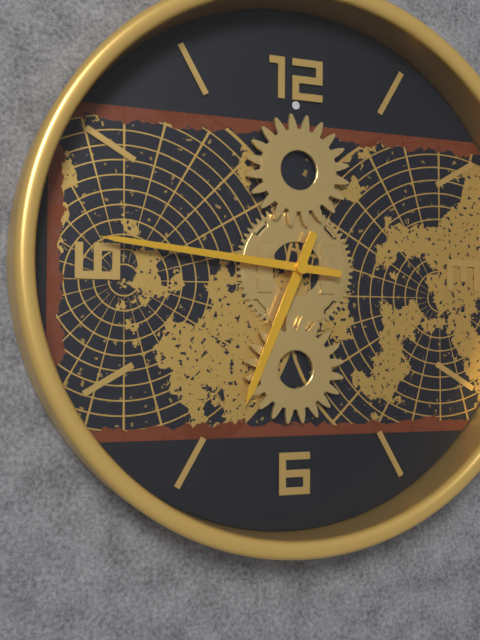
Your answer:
6 h 46 min
